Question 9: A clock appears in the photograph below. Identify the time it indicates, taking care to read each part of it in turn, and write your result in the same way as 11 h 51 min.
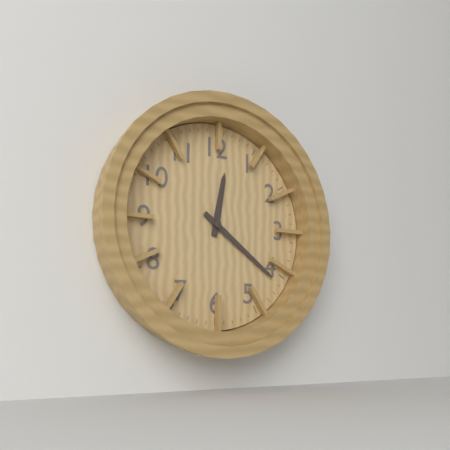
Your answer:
12 h 21 min
